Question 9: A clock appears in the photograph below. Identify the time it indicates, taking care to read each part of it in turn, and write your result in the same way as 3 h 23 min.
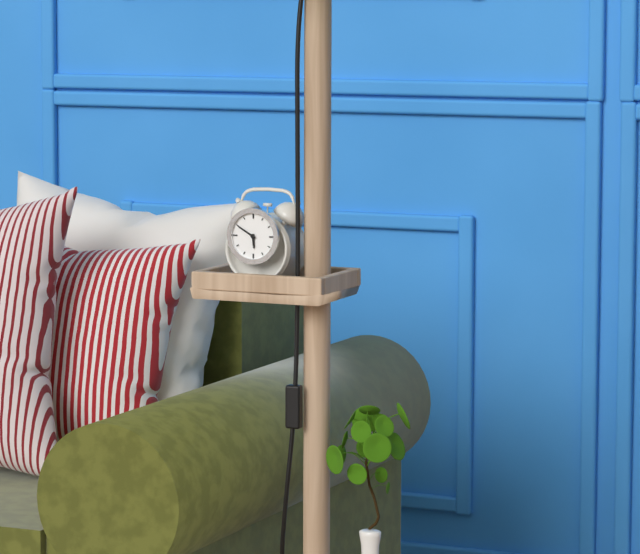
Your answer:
5 h 50 min
